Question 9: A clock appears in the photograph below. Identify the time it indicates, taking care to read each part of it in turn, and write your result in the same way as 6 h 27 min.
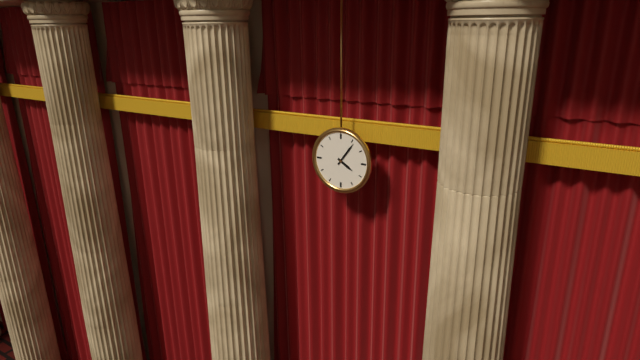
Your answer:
4 h 06 min
